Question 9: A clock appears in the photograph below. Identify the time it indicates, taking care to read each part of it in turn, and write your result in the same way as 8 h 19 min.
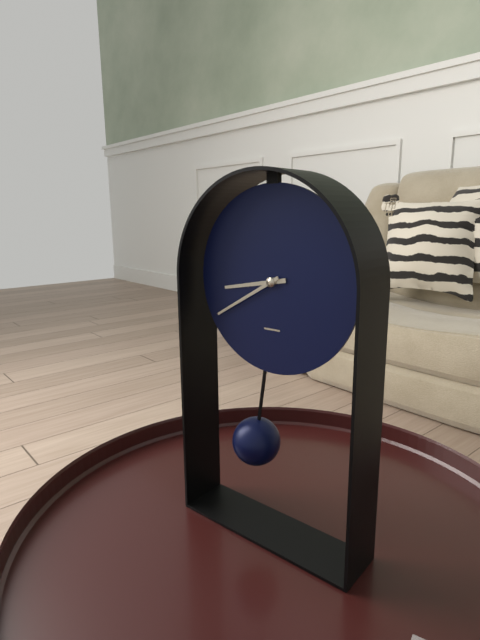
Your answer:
8 h 40 min
